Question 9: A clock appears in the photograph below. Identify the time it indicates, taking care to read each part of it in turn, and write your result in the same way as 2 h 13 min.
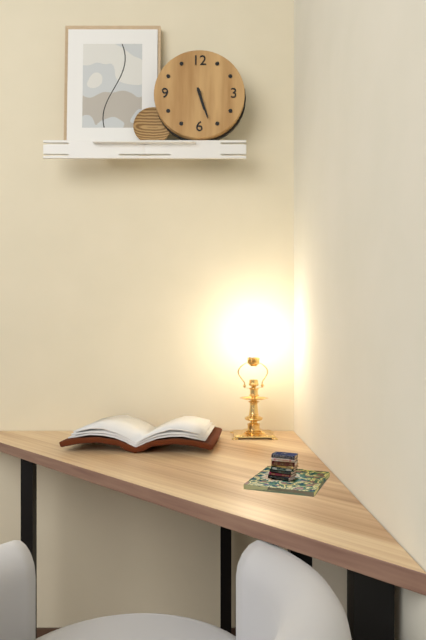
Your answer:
5 h 27 min
